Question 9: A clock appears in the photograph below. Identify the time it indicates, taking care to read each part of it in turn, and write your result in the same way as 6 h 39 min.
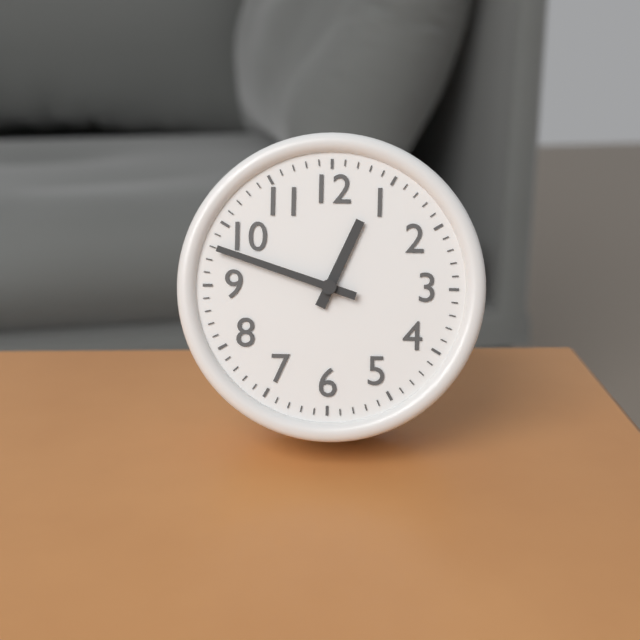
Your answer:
12 h 48 min
